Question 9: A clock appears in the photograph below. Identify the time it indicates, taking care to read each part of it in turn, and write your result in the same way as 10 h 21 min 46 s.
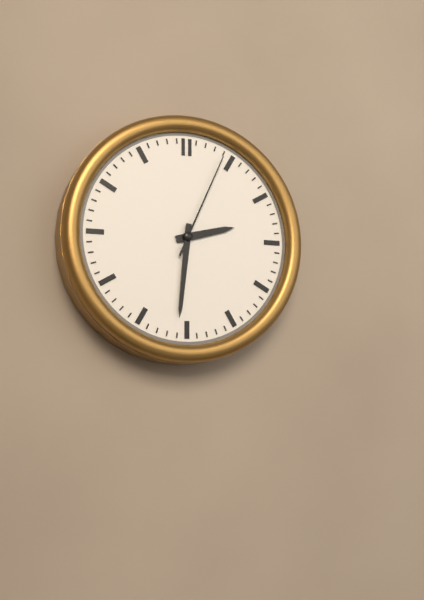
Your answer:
2 h 31 min 04 s
